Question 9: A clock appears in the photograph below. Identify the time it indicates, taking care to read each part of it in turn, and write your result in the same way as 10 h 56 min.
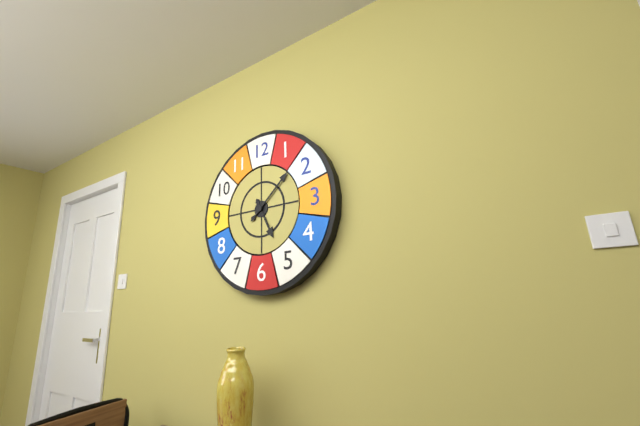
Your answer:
5 h 08 min
